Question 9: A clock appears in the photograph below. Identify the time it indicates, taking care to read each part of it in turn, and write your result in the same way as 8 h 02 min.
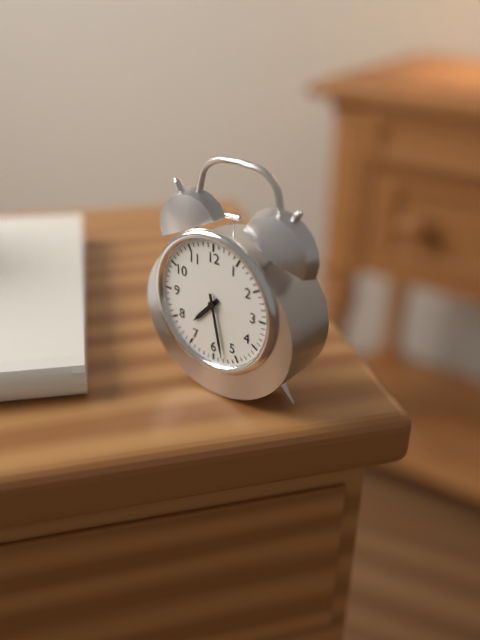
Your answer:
7 h 28 min
